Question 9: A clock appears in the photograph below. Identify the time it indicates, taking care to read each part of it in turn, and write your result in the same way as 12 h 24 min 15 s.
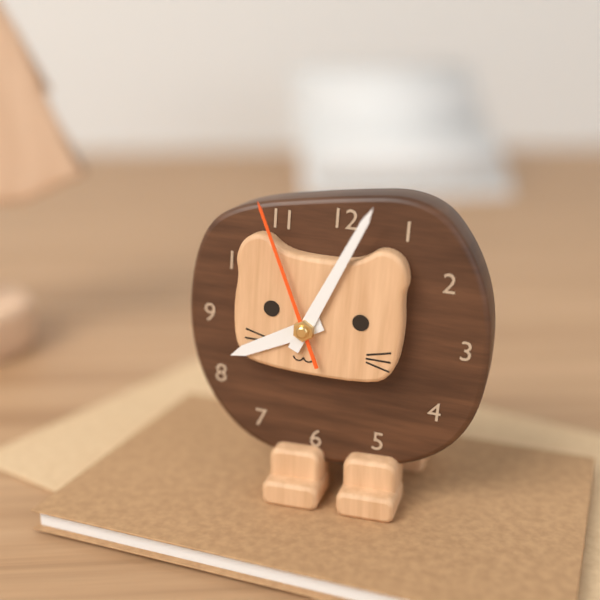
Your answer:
8 h 04 min 56 s
